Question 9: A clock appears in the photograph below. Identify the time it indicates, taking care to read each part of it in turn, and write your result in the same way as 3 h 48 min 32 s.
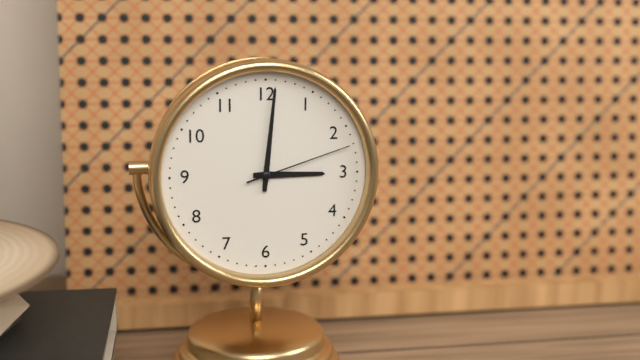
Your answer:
3 h 01 min 12 s
